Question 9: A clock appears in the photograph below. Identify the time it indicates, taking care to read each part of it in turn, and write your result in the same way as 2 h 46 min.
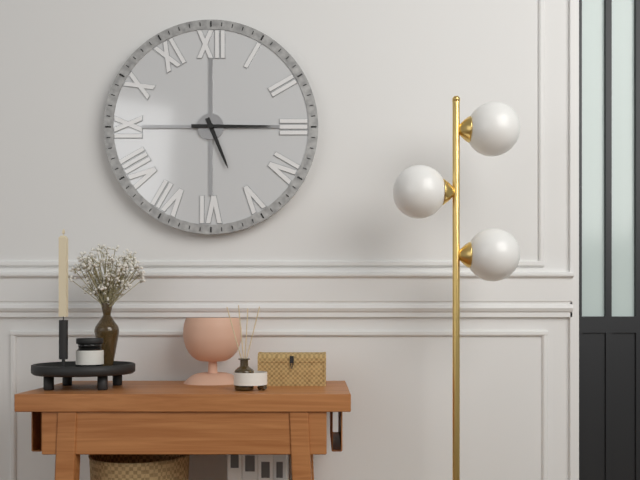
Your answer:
5 h 15 min
